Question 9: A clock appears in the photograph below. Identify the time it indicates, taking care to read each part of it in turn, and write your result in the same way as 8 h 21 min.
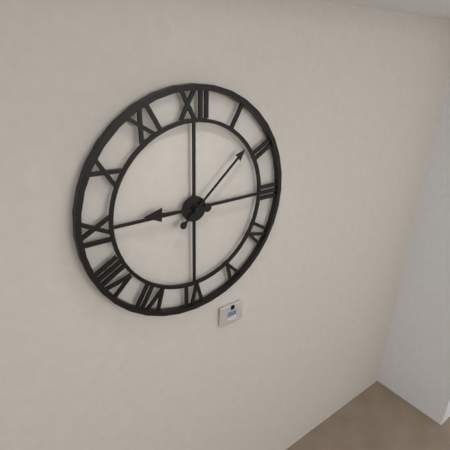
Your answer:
9 h 08 min
